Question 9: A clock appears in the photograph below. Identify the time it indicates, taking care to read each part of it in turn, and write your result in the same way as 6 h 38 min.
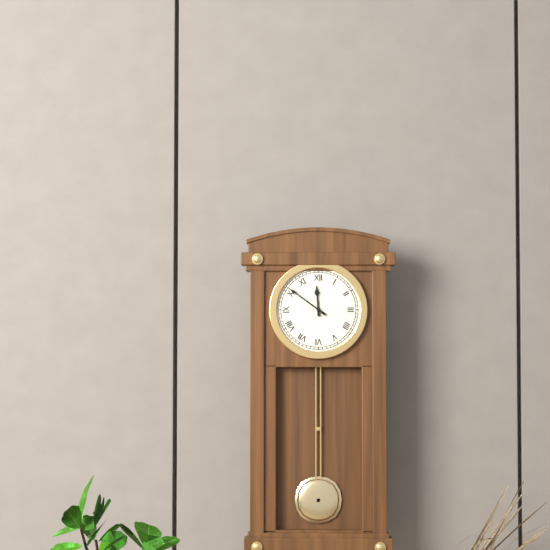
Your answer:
11 h 51 min
